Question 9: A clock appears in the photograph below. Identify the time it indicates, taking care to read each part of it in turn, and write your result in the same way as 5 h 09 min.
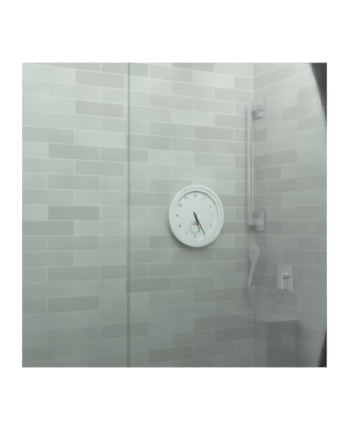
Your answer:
5 h 25 min
